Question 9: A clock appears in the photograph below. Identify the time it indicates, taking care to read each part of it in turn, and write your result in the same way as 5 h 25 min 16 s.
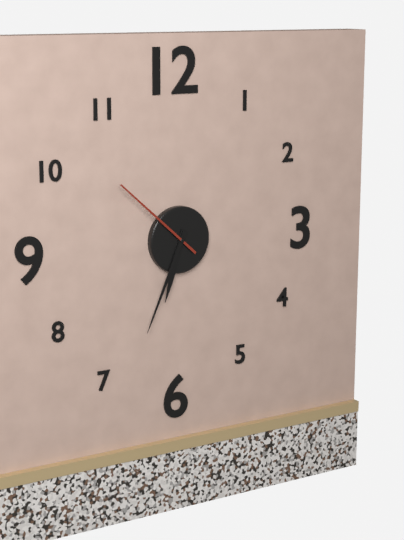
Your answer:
6 h 34 min 52 s
